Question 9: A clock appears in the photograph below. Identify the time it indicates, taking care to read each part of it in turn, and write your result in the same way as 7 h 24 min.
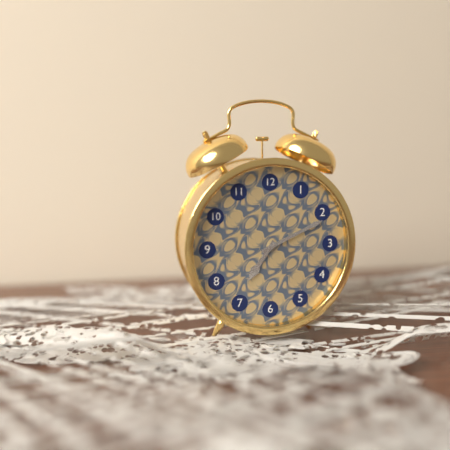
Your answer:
7 h 11 min
